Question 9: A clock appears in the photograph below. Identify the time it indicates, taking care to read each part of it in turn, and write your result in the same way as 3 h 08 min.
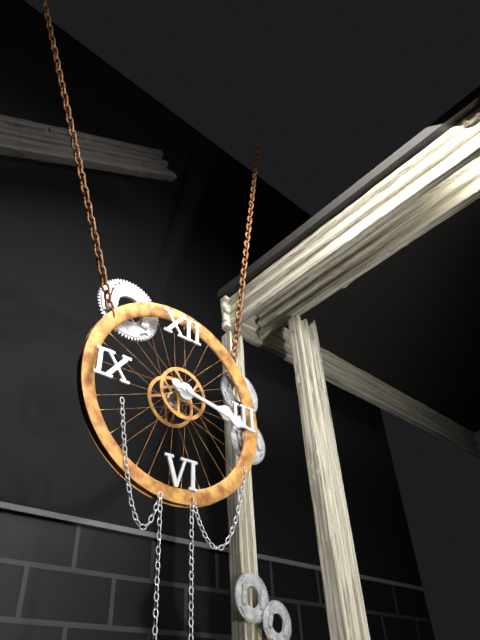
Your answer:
3 h 17 min
